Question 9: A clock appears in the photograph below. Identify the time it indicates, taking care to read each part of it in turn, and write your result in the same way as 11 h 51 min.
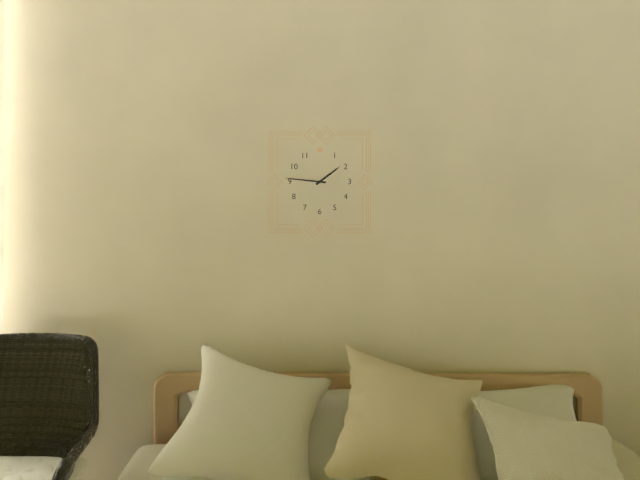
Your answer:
1 h 46 min
